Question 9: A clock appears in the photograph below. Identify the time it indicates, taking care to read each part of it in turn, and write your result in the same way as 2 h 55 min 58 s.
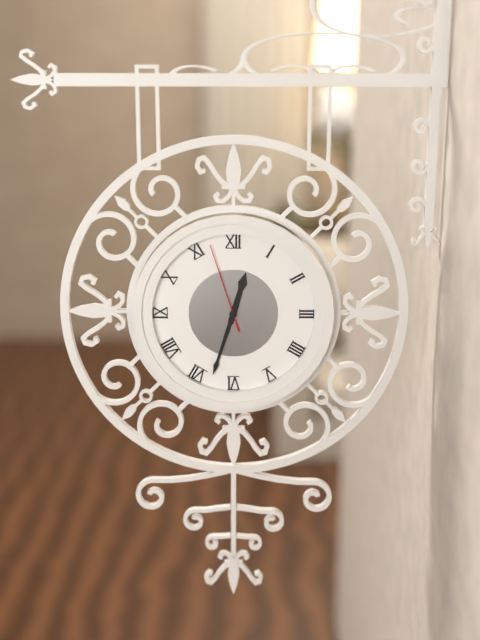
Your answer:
12 h 33 min 57 s
